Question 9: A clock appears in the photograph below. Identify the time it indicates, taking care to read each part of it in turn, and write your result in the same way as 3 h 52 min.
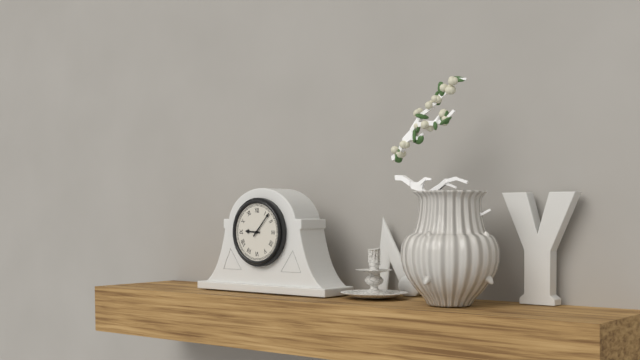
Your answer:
9 h 07 min
